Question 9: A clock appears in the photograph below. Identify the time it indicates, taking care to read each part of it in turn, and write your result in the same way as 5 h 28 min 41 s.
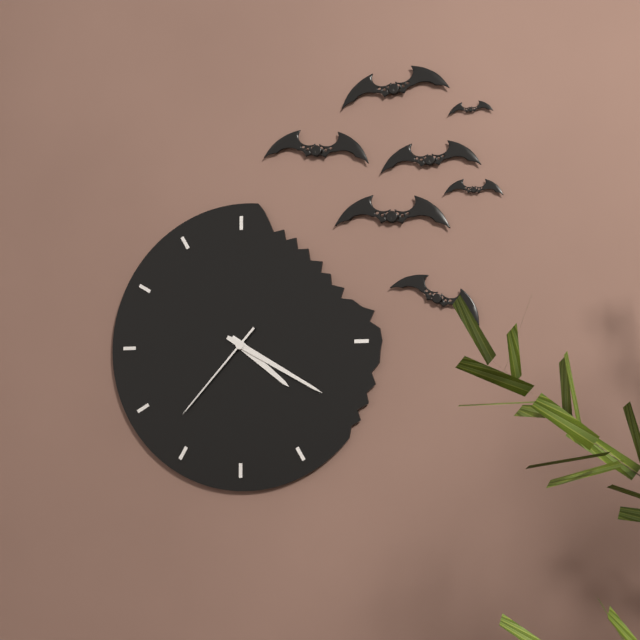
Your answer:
4 h 20 min 37 s
